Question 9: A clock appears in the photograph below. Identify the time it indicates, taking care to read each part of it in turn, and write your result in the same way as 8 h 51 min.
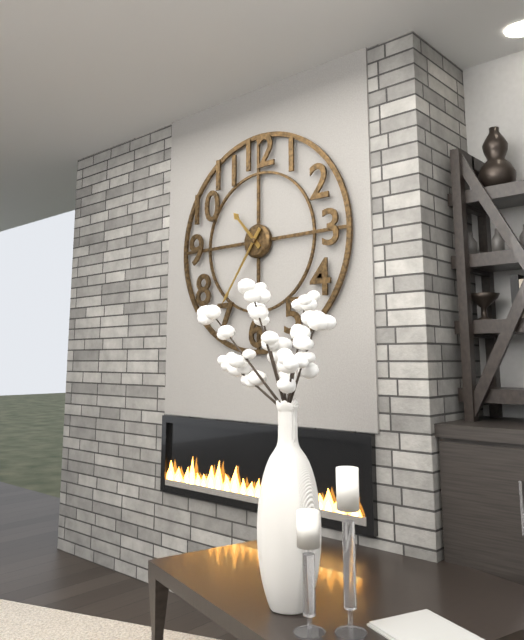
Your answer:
10 h 36 min
